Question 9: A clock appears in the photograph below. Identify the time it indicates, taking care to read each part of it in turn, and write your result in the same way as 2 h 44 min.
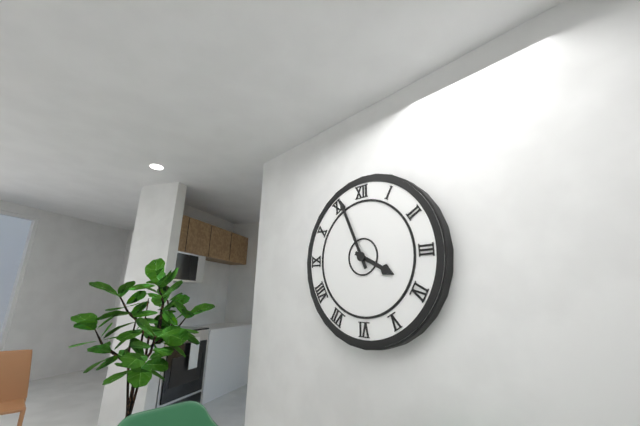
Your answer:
3 h 56 min
